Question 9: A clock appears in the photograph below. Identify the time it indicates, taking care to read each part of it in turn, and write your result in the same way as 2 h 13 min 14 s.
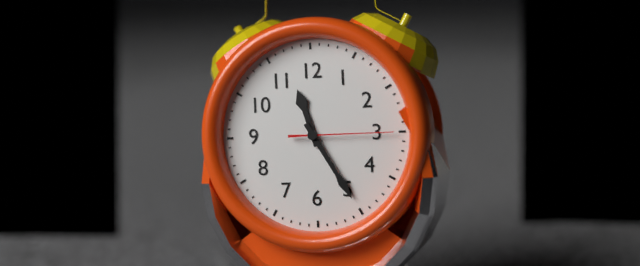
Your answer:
11 h 25 min 15 s
